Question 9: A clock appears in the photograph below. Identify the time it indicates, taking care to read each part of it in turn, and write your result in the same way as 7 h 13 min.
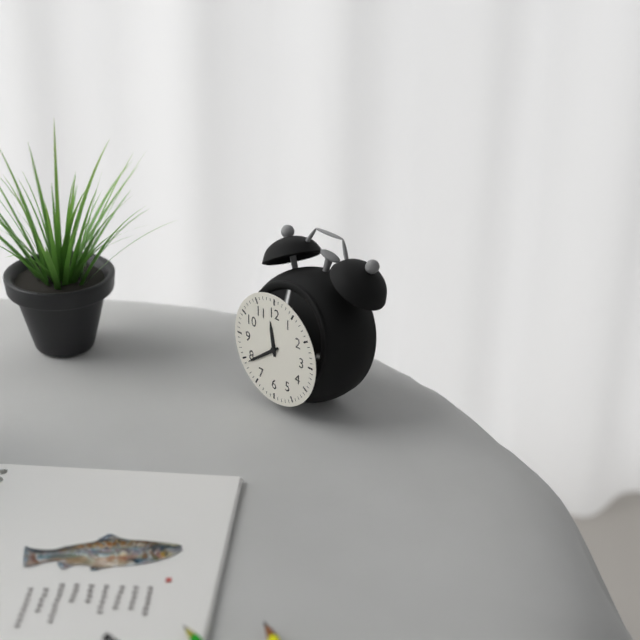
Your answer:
11 h 39 min
